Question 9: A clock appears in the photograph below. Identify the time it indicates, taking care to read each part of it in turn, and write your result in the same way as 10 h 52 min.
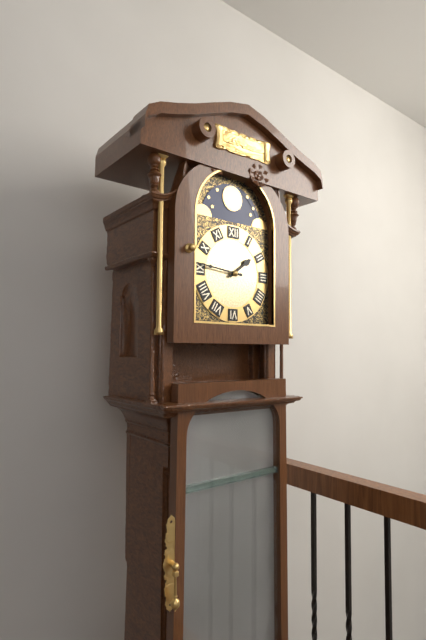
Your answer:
1 h 46 min
